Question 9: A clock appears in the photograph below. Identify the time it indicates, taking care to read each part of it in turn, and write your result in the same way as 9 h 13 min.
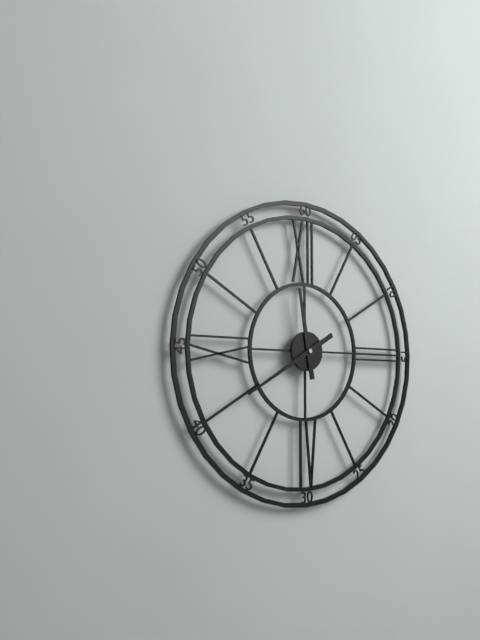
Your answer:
11 h 40 min
